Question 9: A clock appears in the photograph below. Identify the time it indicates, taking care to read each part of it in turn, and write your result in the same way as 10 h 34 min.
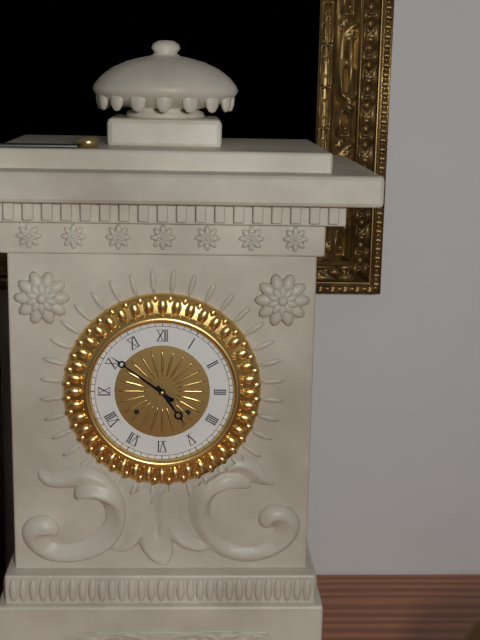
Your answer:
4 h 51 min
